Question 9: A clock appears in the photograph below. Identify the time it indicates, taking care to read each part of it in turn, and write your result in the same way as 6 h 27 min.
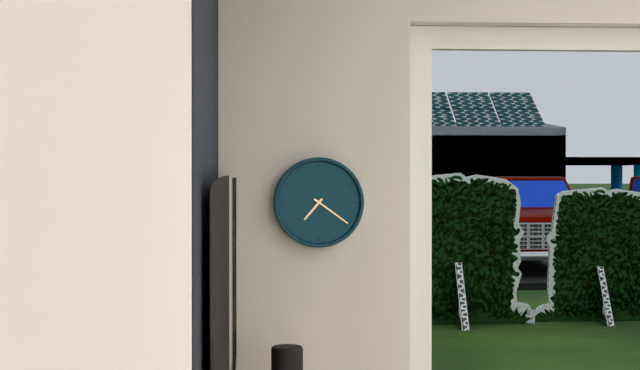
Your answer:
7 h 21 min
